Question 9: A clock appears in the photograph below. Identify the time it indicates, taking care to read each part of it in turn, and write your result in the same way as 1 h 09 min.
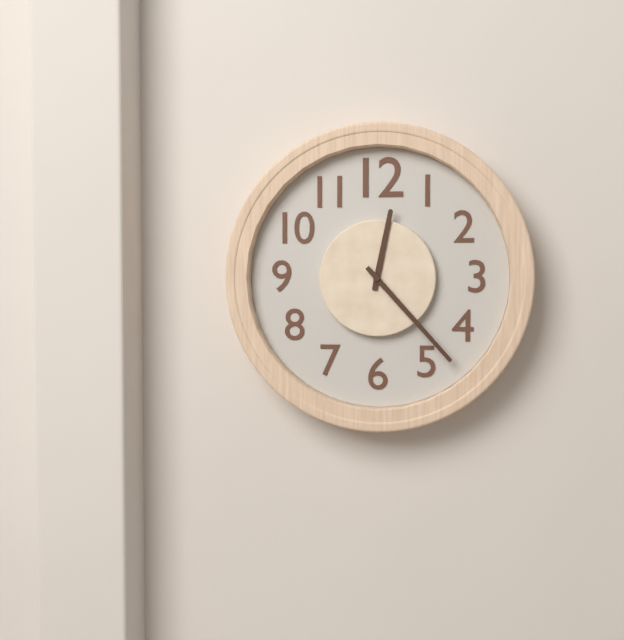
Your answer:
12 h 23 min
